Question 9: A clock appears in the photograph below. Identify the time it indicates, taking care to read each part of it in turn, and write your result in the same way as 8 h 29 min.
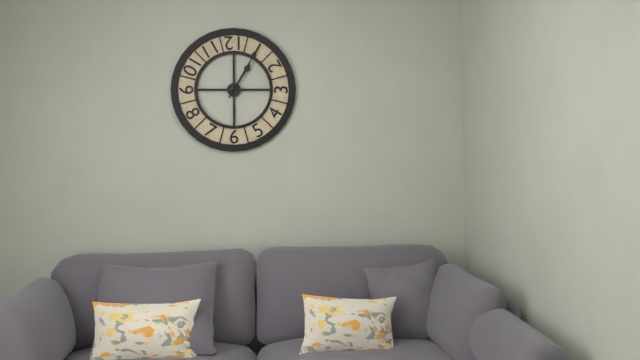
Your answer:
1 h 05 min
